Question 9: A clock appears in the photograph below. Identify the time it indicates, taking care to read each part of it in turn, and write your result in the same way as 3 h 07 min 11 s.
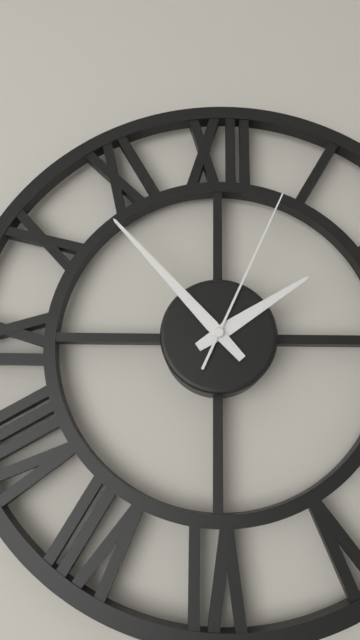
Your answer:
1 h 53 min 04 s
